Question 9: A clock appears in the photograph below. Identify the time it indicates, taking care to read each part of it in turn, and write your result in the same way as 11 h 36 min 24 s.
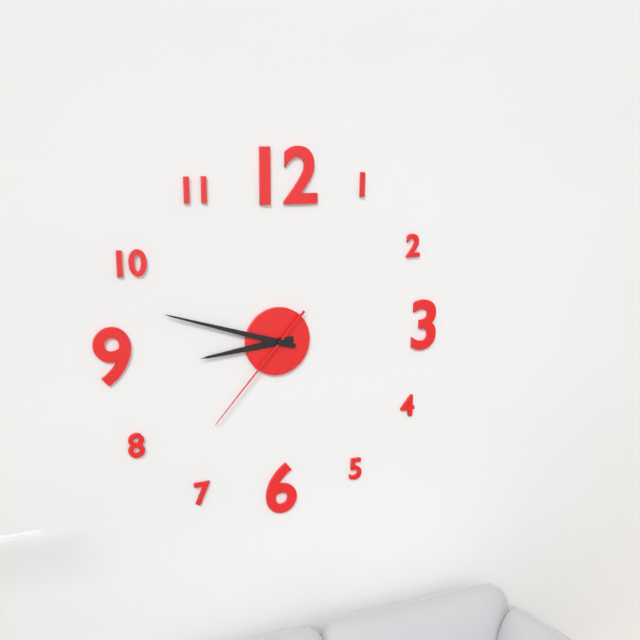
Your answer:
8 h 48 min 37 s
